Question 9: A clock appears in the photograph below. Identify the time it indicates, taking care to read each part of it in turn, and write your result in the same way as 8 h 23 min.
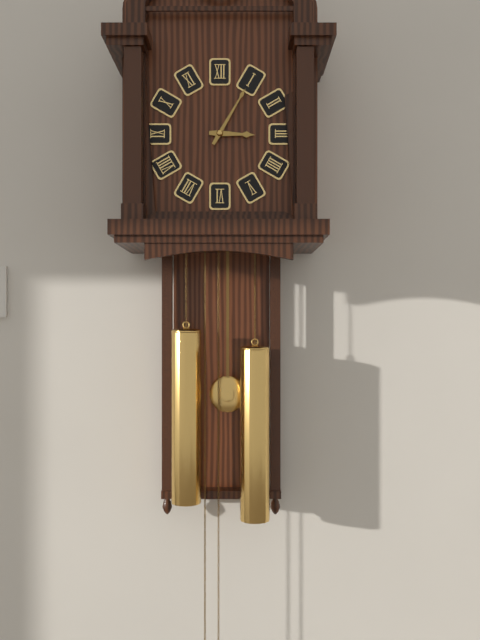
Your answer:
3 h 05 min
